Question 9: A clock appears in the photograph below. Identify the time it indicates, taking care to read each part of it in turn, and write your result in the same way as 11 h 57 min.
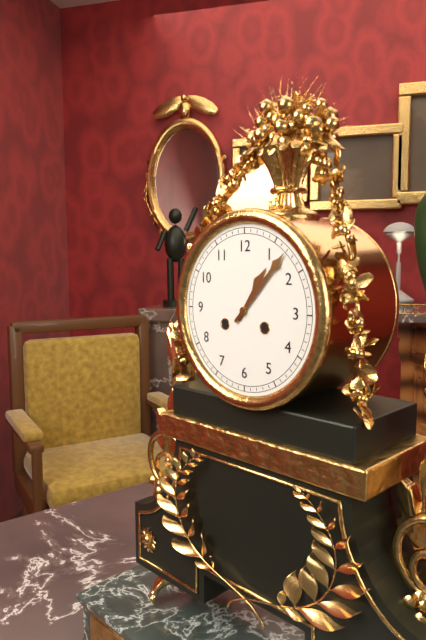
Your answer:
1 h 07 min
